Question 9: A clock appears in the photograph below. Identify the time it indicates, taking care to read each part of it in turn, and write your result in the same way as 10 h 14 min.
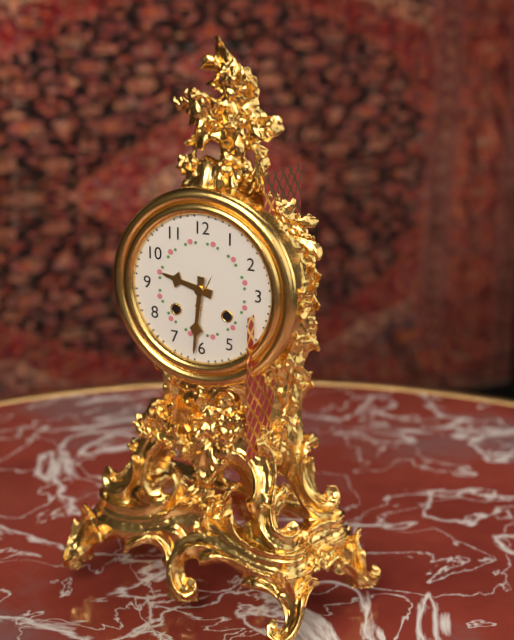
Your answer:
9 h 31 min
